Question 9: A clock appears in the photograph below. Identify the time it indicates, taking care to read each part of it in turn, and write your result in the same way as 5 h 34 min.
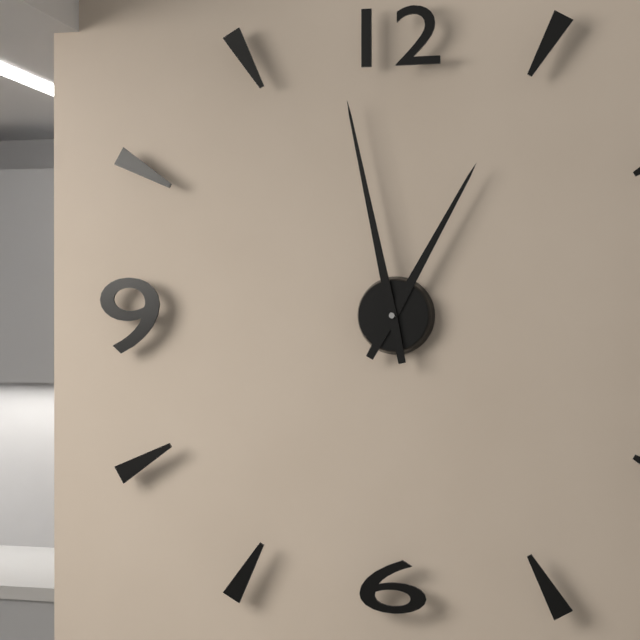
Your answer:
12 h 58 min
